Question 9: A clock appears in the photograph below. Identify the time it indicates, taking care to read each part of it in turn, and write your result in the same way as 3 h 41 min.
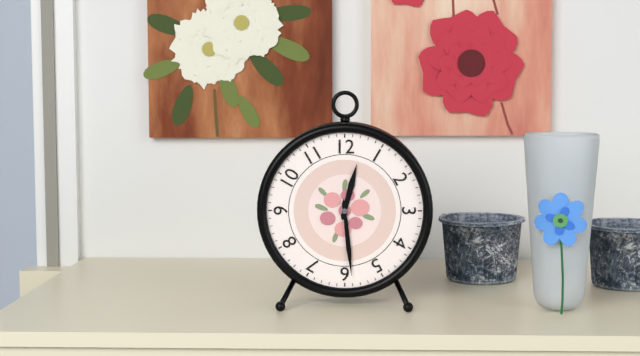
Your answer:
12 h 29 min
